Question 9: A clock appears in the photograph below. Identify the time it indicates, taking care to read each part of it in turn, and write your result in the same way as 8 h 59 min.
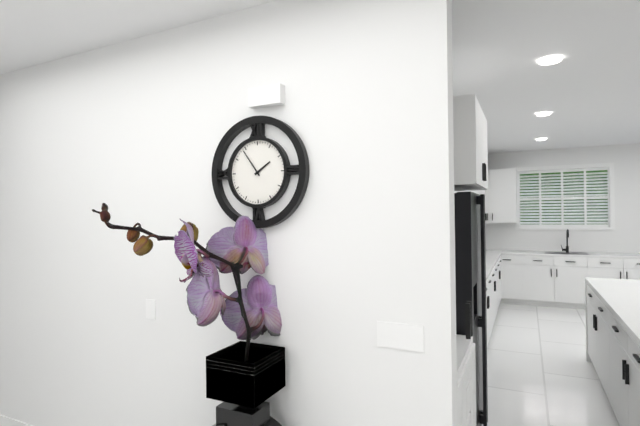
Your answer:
1 h 54 min
